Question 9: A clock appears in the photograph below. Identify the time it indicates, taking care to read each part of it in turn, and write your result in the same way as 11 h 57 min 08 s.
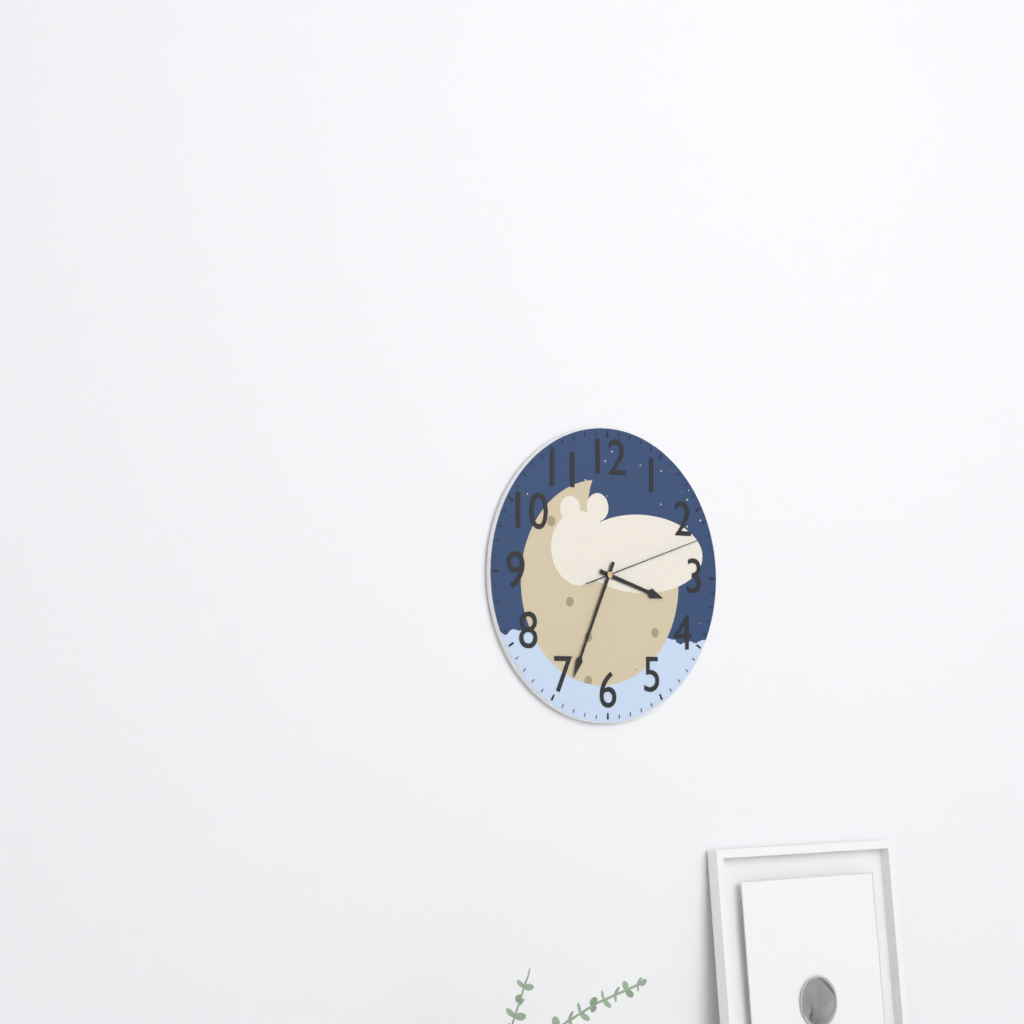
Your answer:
3 h 34 min 12 s
